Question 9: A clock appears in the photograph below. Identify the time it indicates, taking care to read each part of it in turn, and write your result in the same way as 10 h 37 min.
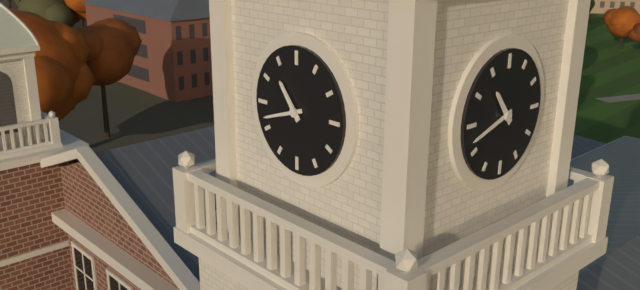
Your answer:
10 h 42 min
